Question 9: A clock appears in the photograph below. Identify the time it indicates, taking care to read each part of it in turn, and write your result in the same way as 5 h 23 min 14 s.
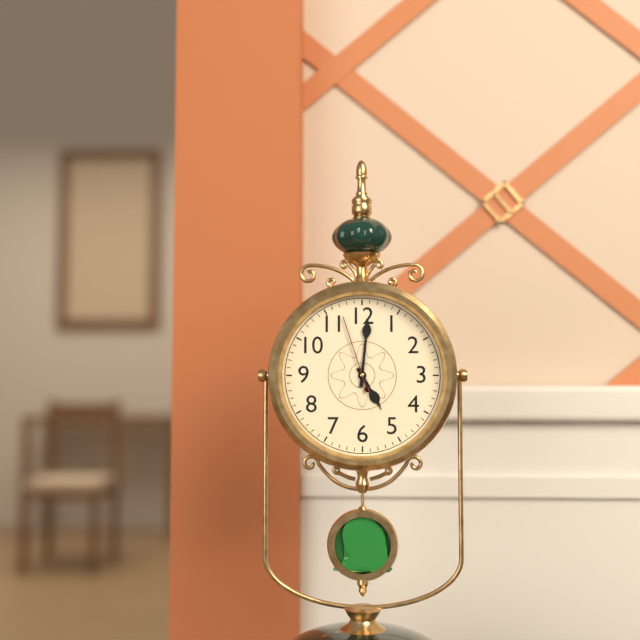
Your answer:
5 h 01 min 57 s
